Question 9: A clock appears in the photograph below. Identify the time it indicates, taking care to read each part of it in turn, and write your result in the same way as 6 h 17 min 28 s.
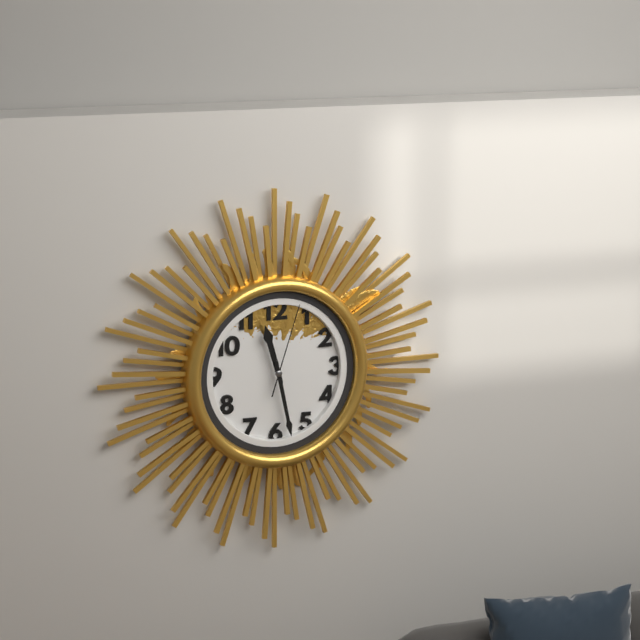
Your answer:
11 h 28 min 03 s
